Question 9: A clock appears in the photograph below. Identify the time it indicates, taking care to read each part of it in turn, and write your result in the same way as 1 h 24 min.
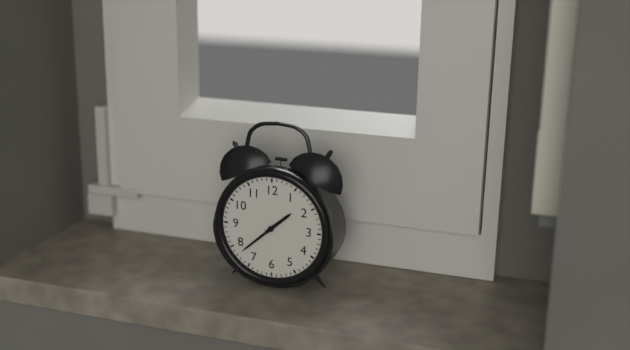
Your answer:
1 h 38 min
